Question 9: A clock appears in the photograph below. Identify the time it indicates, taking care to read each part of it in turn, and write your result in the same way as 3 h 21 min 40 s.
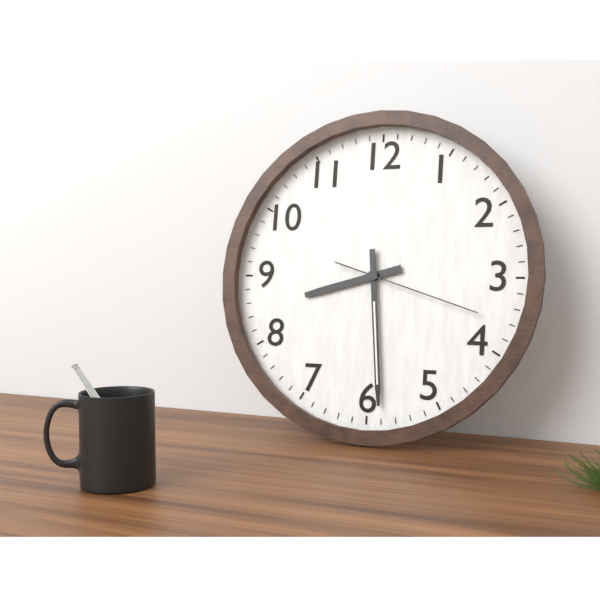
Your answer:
8 h 29 min 18 s
